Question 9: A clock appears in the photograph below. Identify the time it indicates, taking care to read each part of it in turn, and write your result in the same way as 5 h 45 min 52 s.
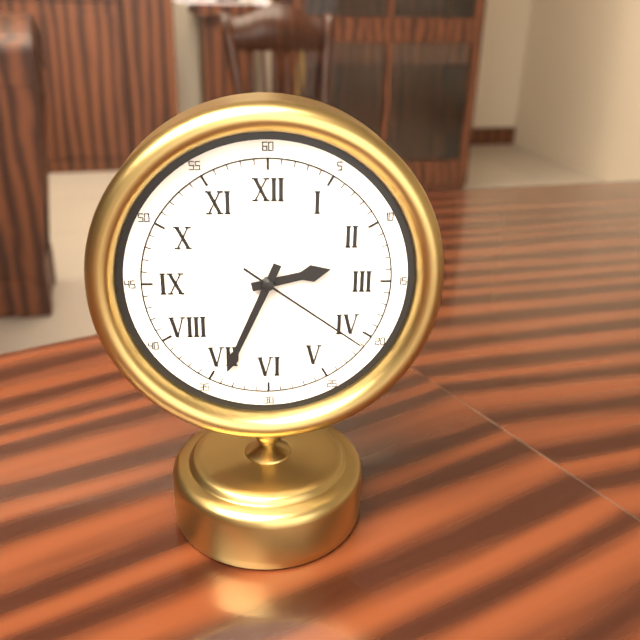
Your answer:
2 h 34 min 21 s
